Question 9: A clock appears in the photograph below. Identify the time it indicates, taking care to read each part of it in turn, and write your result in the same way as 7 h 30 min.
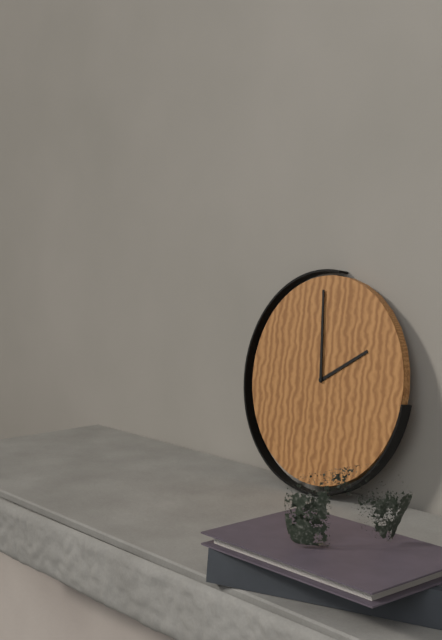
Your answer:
1 h 59 min
